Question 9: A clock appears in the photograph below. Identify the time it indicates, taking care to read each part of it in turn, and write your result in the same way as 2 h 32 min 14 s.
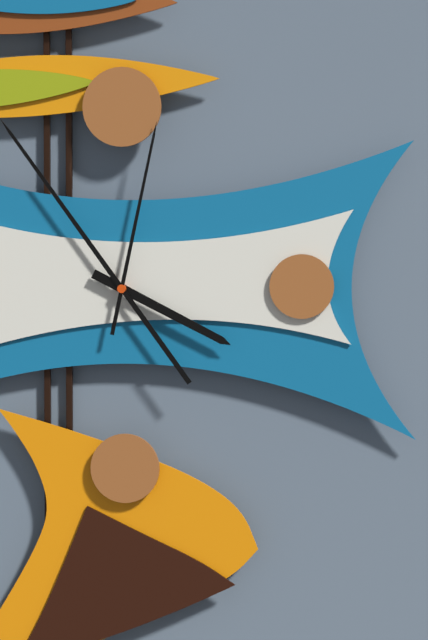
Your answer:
3 h 54 min 02 s
